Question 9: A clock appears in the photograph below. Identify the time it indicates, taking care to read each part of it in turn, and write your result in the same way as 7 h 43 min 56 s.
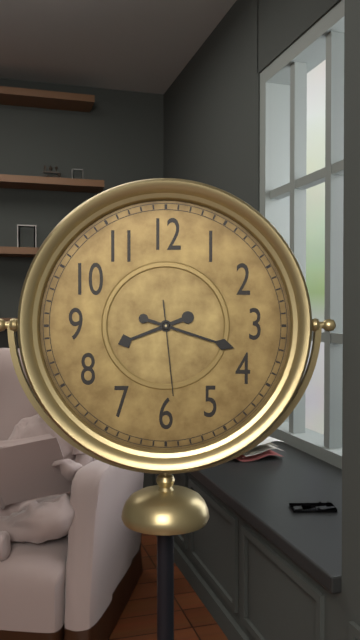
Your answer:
8 h 18 min 29 s
